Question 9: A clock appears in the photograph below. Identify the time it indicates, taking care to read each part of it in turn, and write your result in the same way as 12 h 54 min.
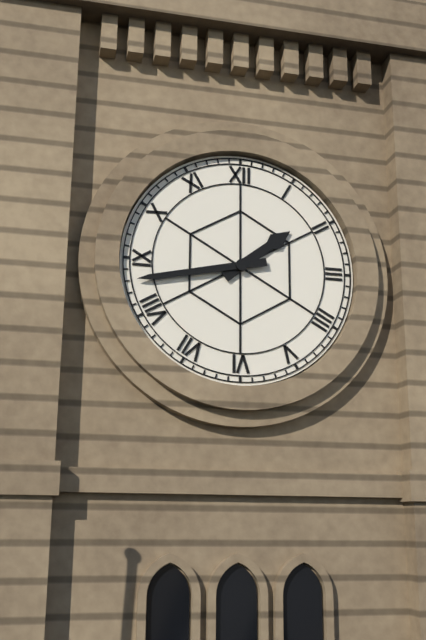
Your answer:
1 h 43 min
